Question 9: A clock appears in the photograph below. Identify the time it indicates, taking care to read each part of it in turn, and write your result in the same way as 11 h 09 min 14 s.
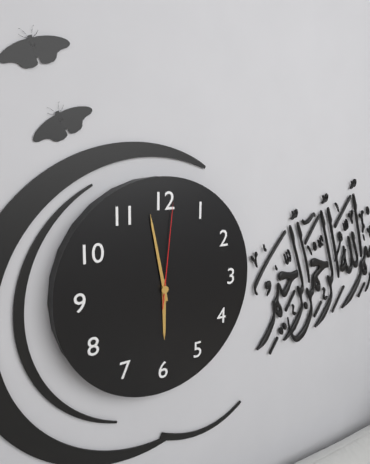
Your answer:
5 h 58 min 01 s
